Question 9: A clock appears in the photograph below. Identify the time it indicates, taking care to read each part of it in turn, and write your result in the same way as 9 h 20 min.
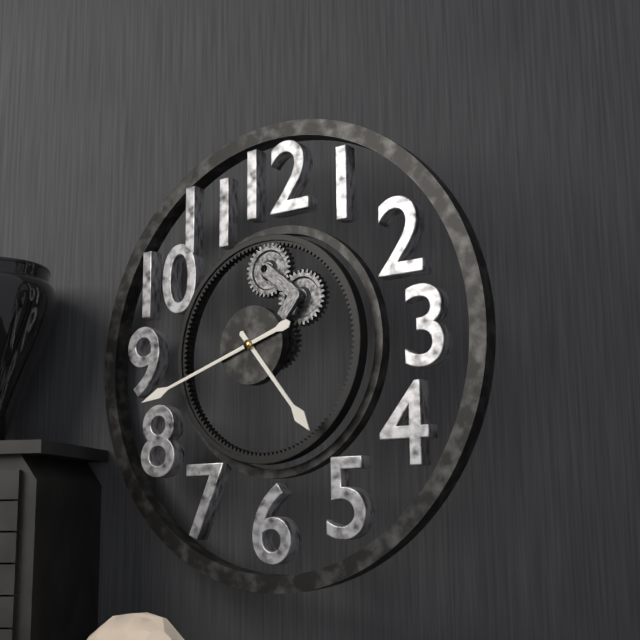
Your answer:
4 h 42 min
